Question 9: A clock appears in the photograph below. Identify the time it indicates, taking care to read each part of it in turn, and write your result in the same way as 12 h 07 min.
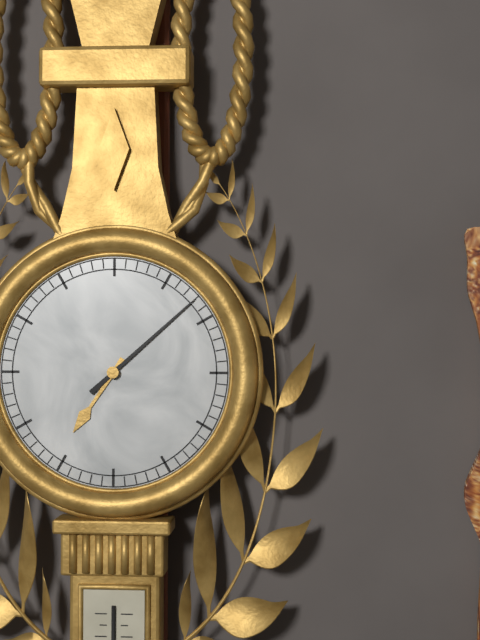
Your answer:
7 h 08 min
